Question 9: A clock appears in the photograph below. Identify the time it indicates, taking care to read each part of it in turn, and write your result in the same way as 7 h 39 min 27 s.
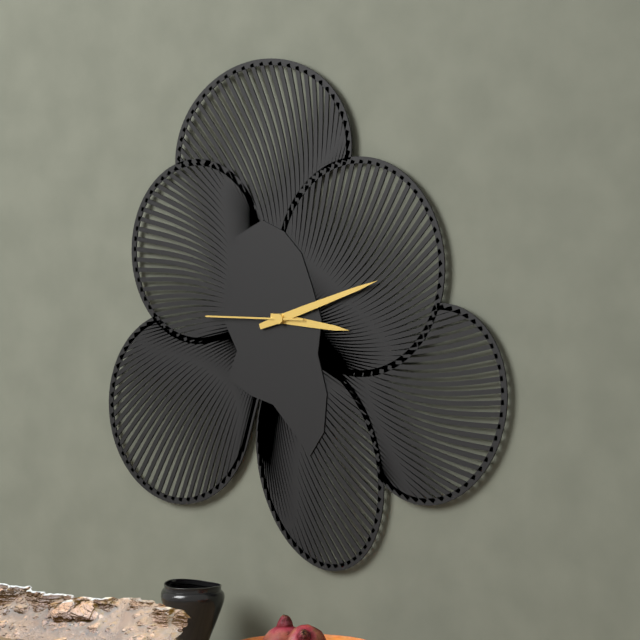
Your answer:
3 h 12 min 45 s
